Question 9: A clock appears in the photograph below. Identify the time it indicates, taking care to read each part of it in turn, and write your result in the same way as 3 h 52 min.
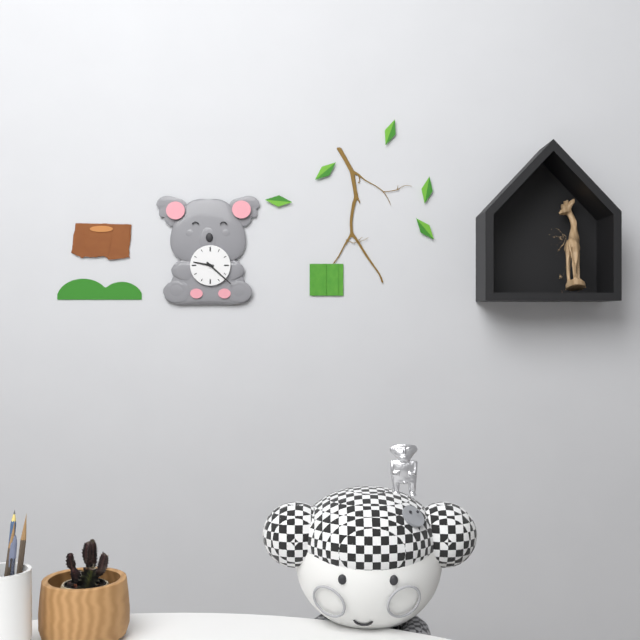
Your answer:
9 h 22 min
